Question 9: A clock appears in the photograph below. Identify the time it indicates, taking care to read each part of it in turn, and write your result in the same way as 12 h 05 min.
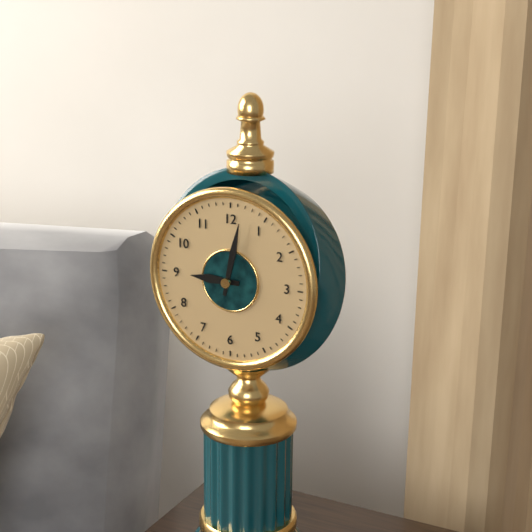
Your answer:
9 h 02 min
